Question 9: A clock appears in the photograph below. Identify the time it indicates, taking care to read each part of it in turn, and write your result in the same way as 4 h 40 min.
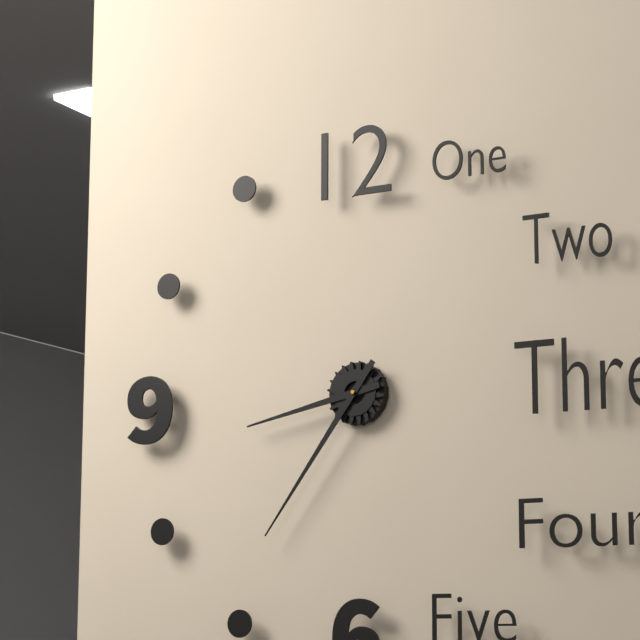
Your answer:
8 h 36 min
